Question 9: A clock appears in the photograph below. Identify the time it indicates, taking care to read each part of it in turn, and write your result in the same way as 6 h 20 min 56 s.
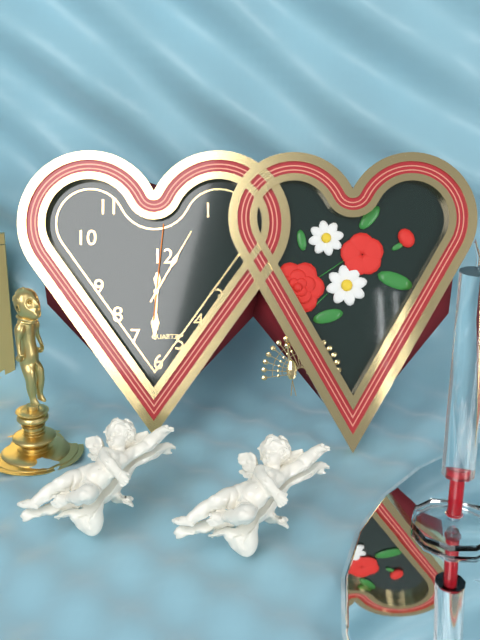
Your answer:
6 h 05 min 01 s
